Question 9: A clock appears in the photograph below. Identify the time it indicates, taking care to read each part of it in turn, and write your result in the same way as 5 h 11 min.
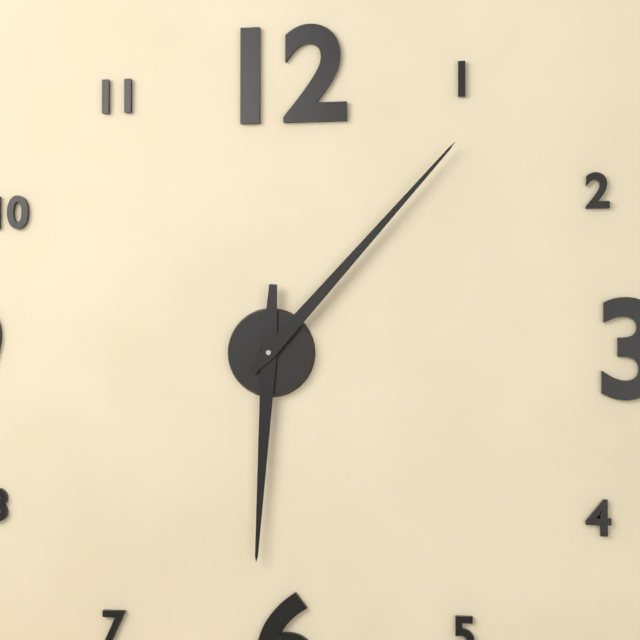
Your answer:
6 h 07 min
